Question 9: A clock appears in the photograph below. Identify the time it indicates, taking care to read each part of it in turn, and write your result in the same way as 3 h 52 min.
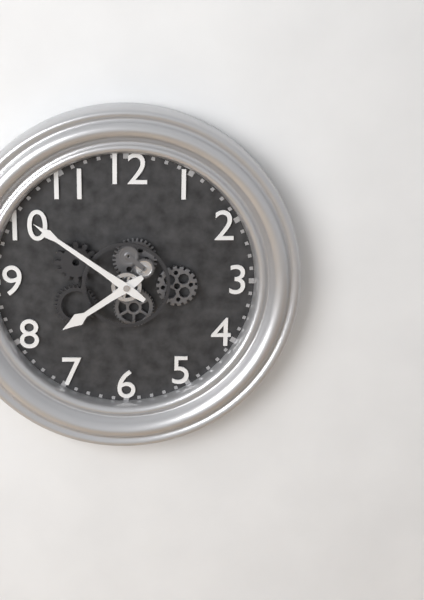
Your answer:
7 h 51 min
